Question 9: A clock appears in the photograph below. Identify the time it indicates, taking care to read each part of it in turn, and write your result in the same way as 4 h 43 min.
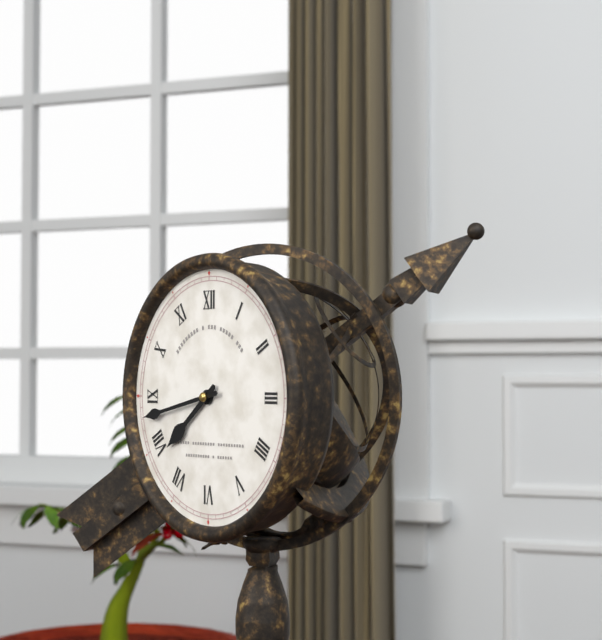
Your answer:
7 h 43 min
